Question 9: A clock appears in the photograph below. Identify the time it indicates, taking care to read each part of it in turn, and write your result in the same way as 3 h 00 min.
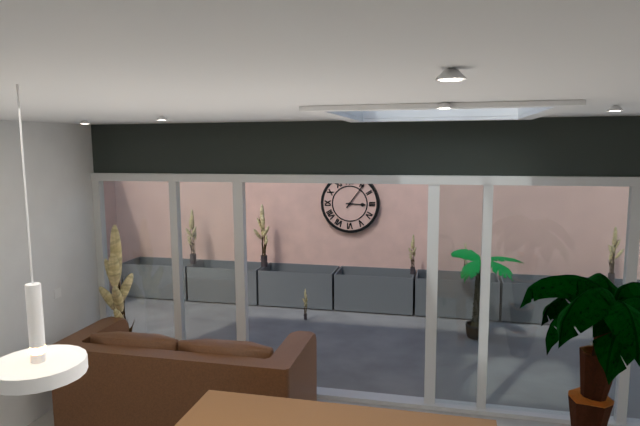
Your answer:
3 h 06 min
